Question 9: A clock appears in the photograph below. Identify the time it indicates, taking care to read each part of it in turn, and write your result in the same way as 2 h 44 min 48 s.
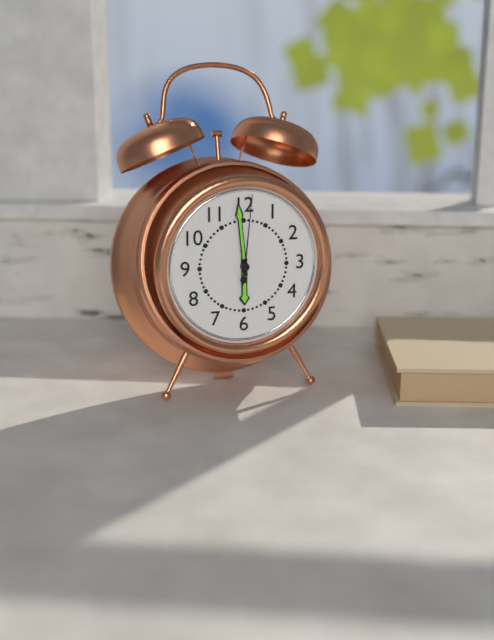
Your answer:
5 h 59 min 01 s
